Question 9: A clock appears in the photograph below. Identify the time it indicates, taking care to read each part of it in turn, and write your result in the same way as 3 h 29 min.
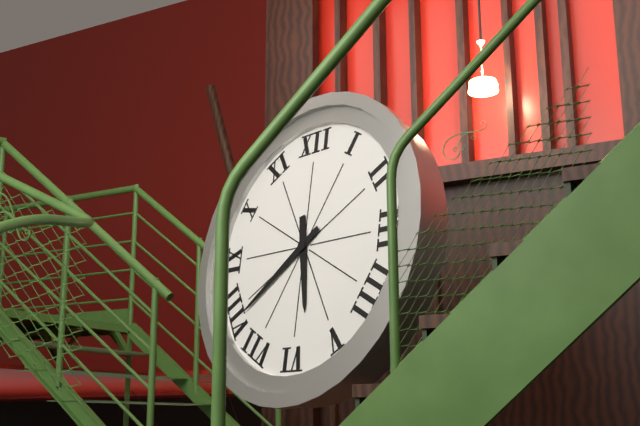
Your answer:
5 h 39 min
